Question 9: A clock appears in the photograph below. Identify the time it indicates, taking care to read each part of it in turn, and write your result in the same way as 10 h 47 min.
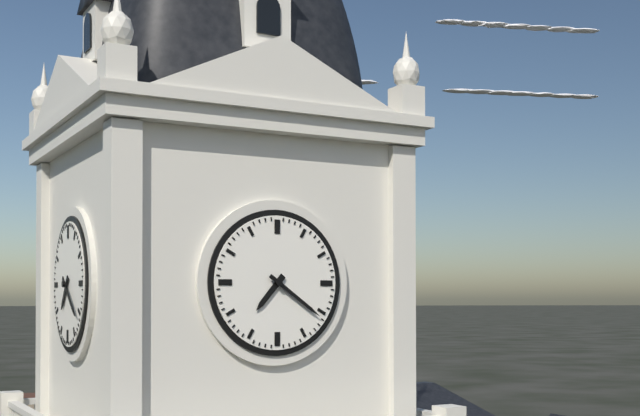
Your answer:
7 h 21 min
